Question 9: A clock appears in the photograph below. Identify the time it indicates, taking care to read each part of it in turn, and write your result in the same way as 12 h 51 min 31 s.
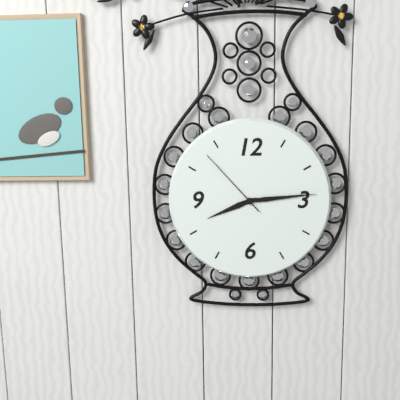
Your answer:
8 h 14 min 53 s
